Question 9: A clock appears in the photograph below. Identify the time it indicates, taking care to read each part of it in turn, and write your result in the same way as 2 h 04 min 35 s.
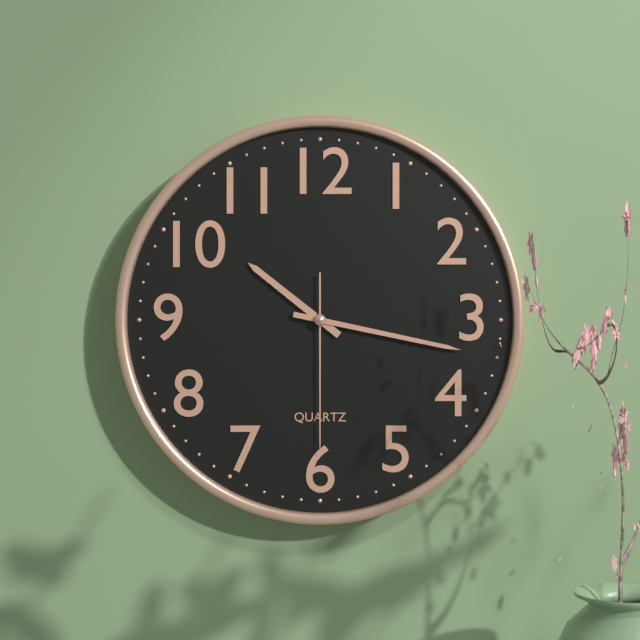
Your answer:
10 h 17 min 30 s
